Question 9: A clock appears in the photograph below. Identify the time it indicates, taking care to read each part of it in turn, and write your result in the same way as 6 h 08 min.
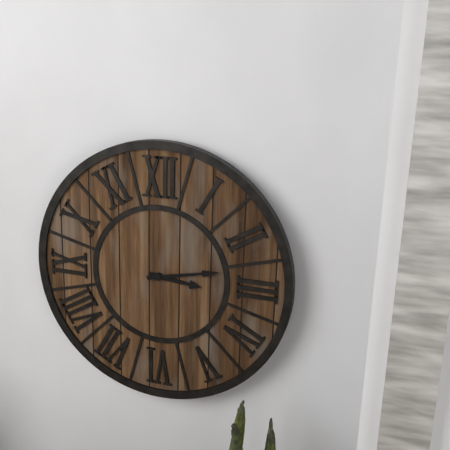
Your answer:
3 h 13 min
